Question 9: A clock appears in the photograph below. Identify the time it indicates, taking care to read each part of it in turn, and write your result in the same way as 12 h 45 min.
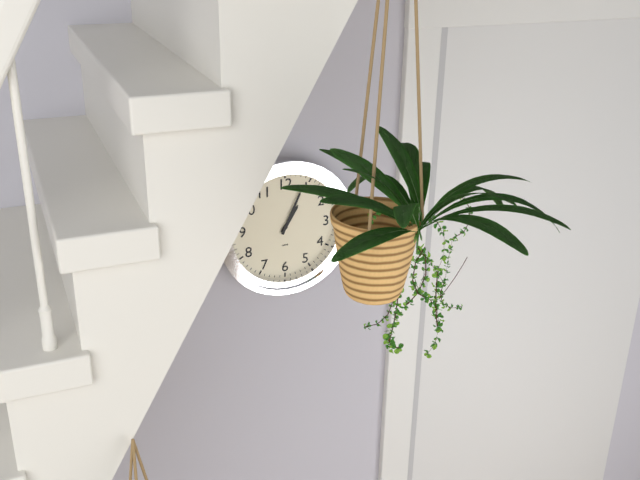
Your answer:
1 h 04 min
